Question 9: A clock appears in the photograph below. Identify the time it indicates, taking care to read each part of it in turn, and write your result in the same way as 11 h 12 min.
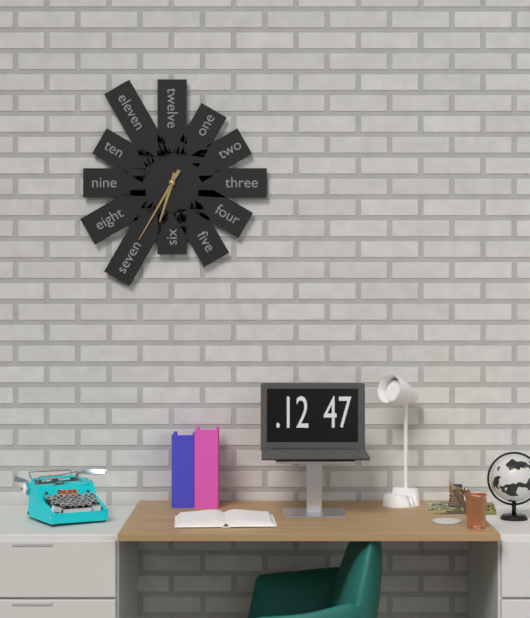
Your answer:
6 h 35 min
